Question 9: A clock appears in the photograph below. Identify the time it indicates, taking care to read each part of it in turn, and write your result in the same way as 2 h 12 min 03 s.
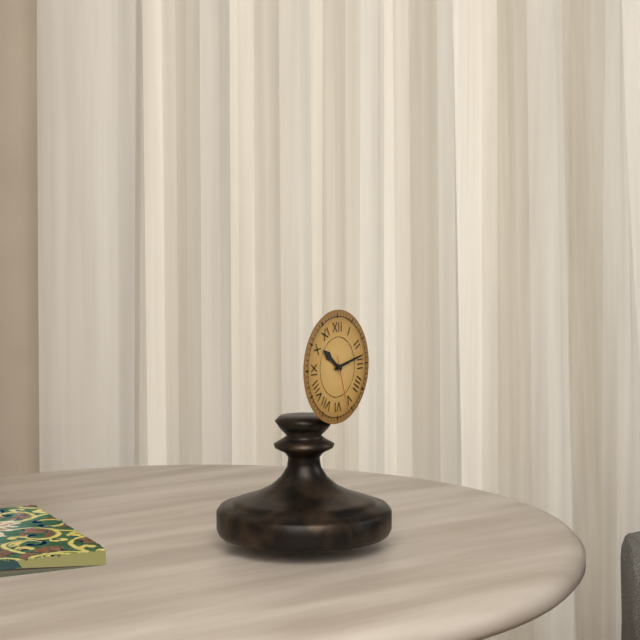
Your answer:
10 h 13 min 27 s
